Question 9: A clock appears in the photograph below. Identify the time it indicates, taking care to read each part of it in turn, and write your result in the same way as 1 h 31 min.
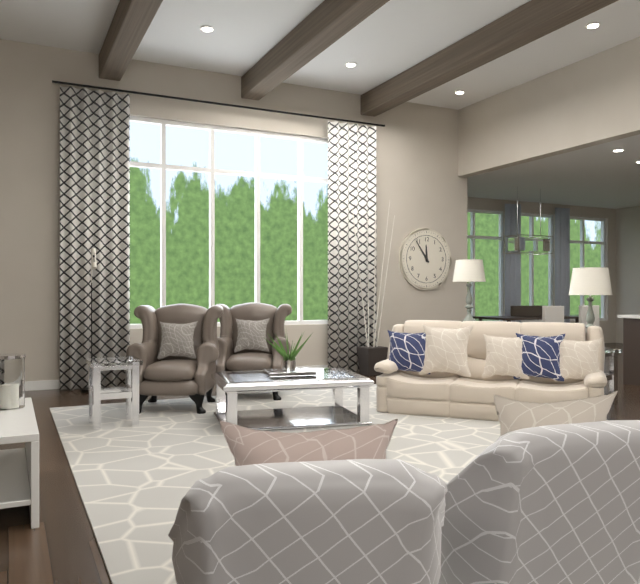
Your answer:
11 h 54 min
